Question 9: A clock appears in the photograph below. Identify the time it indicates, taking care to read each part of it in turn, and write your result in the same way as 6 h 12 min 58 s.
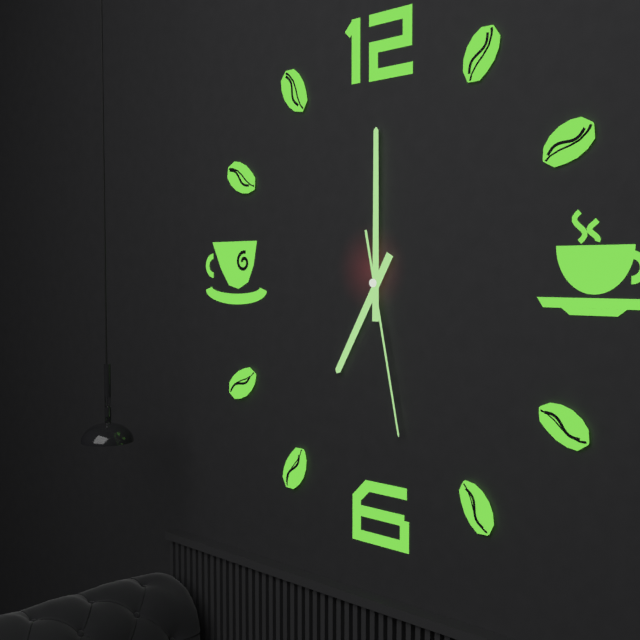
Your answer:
7 h 00 min 28 s
